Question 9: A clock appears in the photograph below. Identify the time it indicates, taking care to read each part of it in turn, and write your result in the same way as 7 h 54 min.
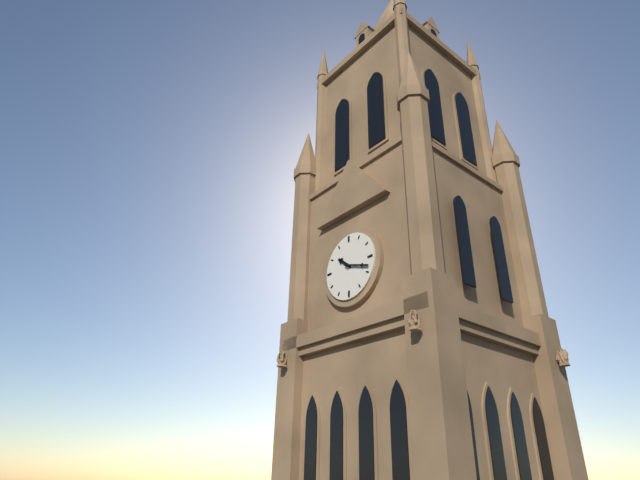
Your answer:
10 h 18 min
